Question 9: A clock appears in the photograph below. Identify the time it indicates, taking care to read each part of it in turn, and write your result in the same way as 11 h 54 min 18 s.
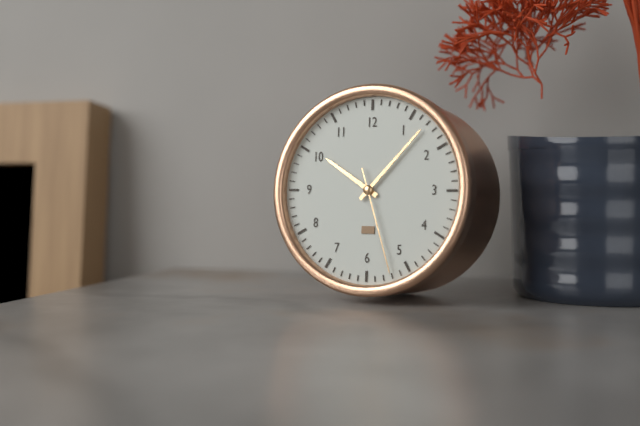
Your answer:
10 h 07 min 27 s
